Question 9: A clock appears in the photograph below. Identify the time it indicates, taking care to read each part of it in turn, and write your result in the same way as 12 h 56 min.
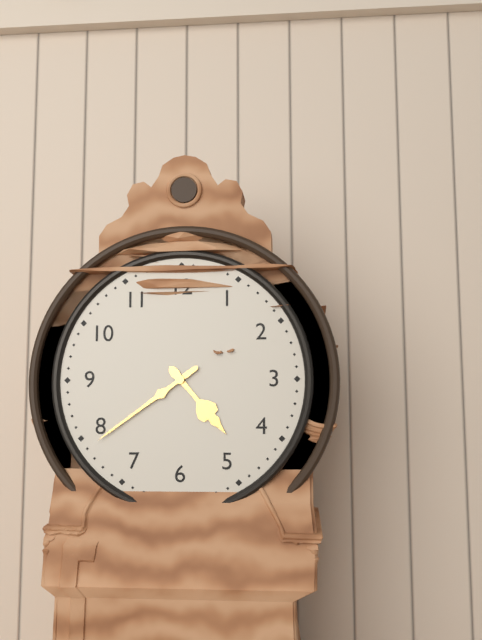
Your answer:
4 h 39 min
